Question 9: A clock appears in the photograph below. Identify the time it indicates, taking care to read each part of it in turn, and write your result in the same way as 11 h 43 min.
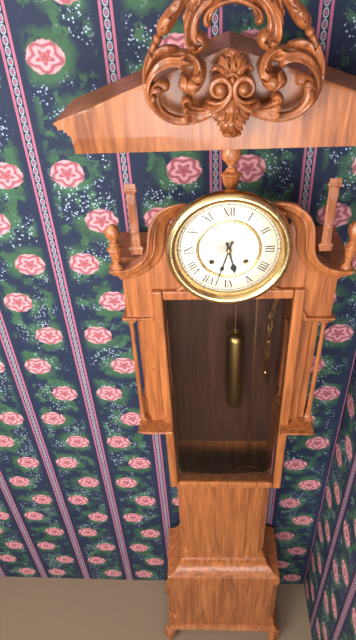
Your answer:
5 h 33 min
